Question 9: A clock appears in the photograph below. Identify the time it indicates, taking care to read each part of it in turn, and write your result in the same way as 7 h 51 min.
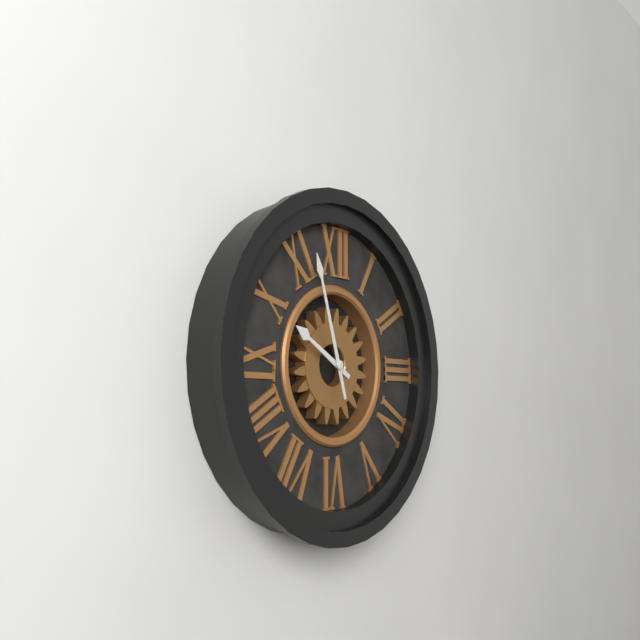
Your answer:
9 h 57 min
